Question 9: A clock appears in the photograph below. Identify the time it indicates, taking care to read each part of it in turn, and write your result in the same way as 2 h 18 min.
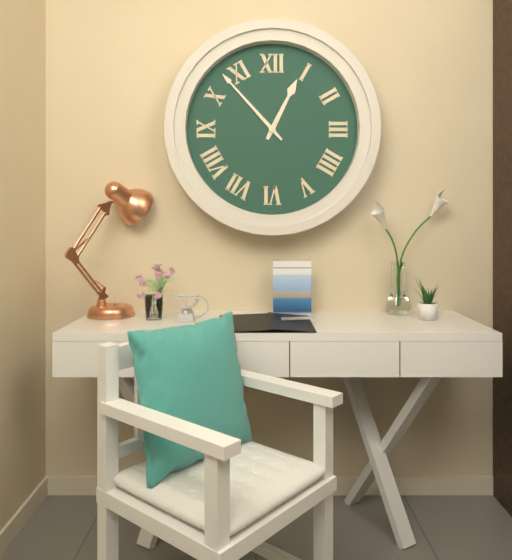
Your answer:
12 h 53 min
